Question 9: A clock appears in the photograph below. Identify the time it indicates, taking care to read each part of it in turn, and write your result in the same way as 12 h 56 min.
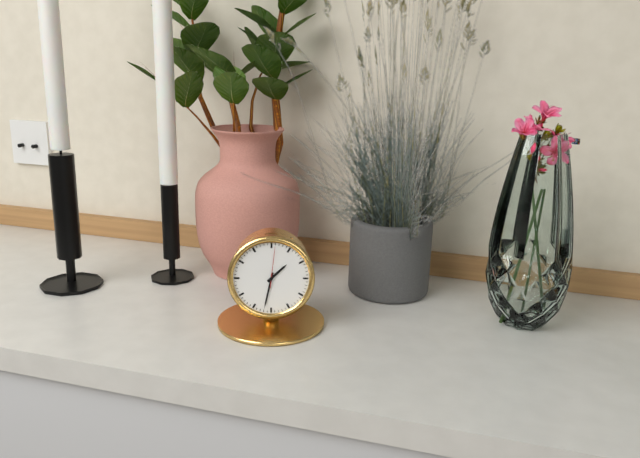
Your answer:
1 h 32 min
